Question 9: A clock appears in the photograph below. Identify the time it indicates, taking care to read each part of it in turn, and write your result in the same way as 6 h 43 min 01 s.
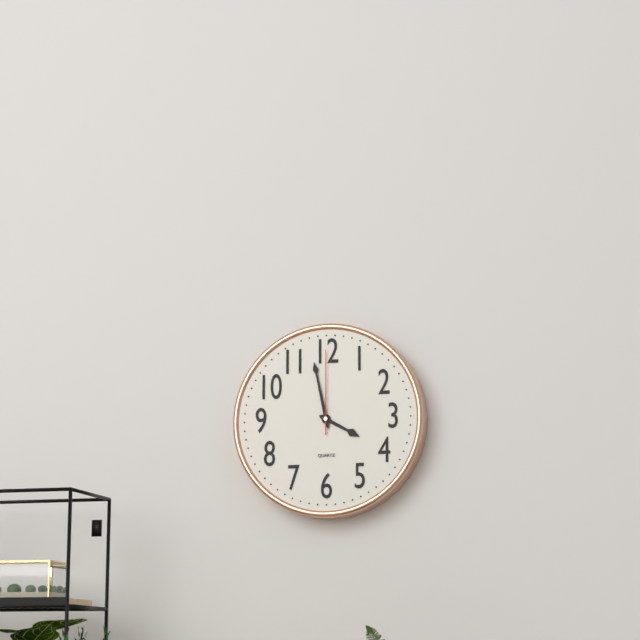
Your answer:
3 h 58 min 00 s
